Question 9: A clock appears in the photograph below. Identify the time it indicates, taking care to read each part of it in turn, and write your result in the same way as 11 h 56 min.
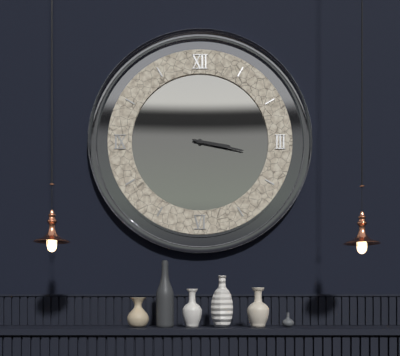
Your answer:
3 h 17 min
